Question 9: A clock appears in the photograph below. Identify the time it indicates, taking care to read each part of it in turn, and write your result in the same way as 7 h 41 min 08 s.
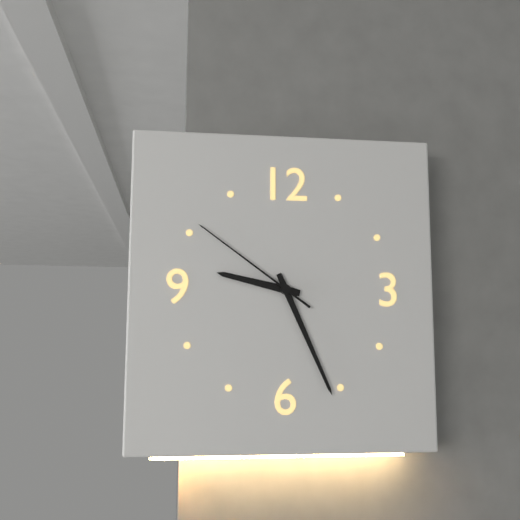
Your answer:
9 h 26 min 51 s
